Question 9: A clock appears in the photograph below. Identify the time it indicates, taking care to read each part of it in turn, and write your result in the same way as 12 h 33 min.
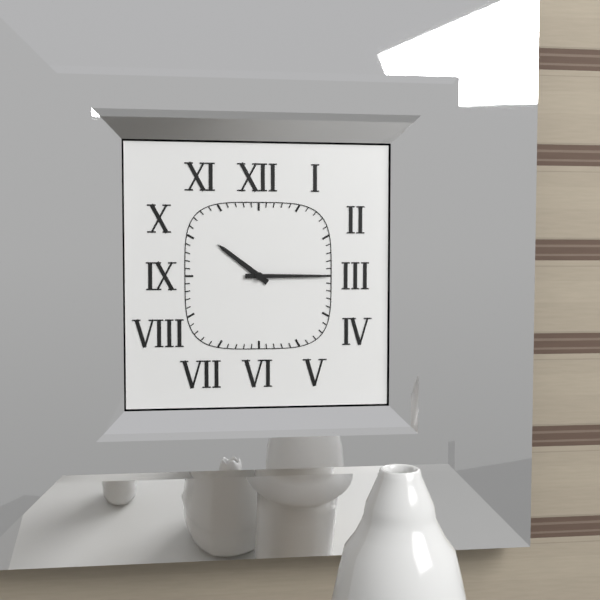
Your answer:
10 h 15 min
